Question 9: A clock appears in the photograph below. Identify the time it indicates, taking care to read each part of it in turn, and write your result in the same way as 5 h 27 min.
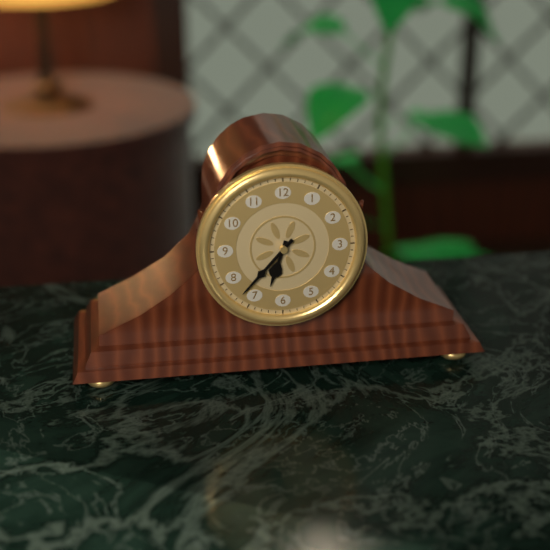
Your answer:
6 h 37 min
